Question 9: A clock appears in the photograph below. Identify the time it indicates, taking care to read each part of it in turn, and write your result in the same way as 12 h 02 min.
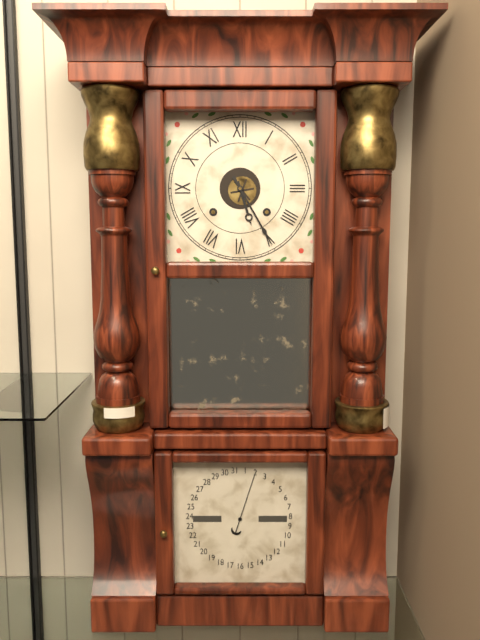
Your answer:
5 h 25 min
